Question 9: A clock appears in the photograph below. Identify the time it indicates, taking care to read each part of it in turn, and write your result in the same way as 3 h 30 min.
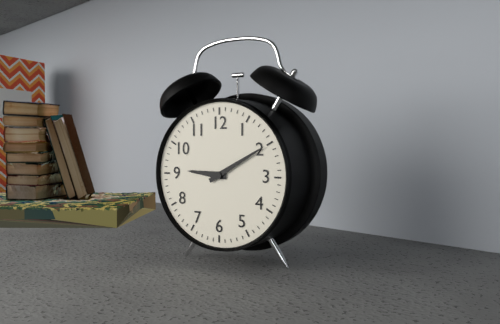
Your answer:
9 h 10 min
